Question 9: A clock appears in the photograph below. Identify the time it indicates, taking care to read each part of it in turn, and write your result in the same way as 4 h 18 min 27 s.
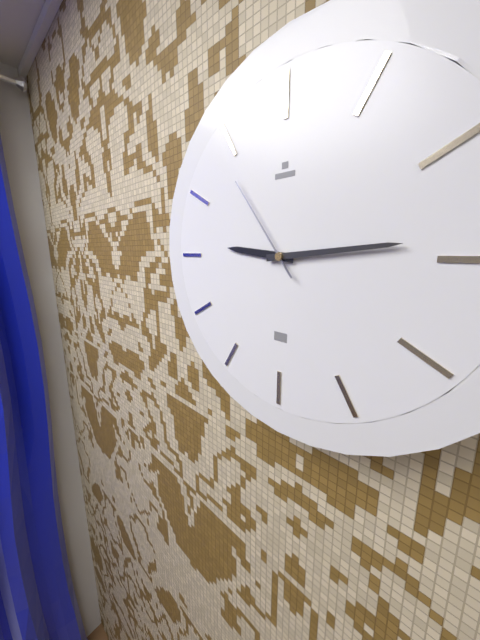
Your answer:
9 h 14 min 54 s
